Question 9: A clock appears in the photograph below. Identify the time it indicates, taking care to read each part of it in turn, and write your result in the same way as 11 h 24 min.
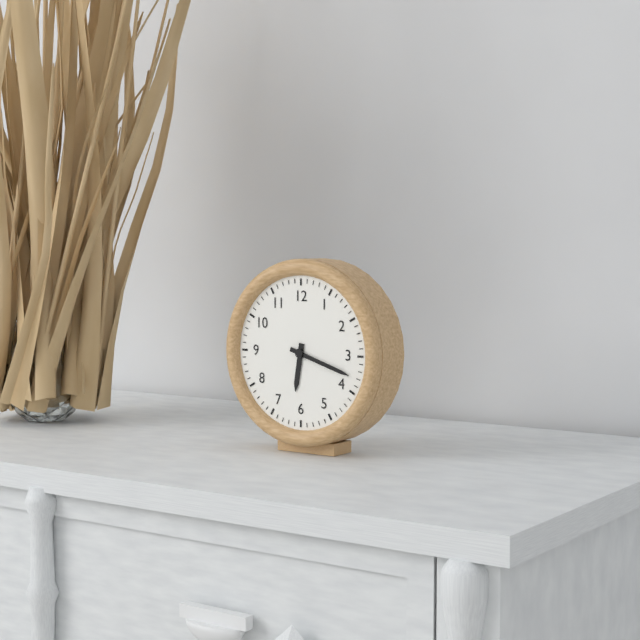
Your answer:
6 h 18 min
